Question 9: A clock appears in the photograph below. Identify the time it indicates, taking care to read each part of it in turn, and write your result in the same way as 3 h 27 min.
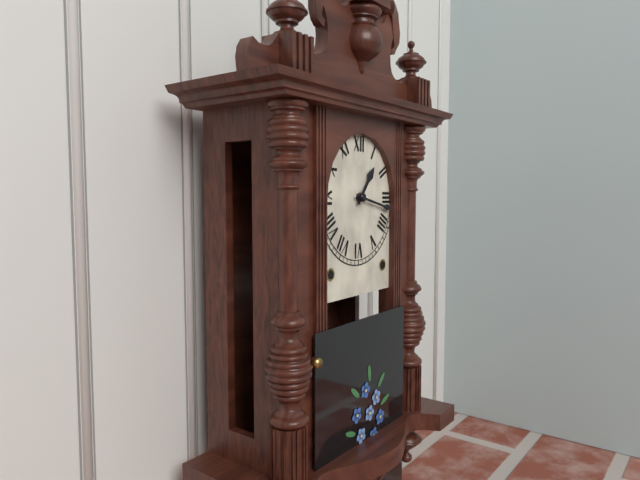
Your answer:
1 h 17 min
